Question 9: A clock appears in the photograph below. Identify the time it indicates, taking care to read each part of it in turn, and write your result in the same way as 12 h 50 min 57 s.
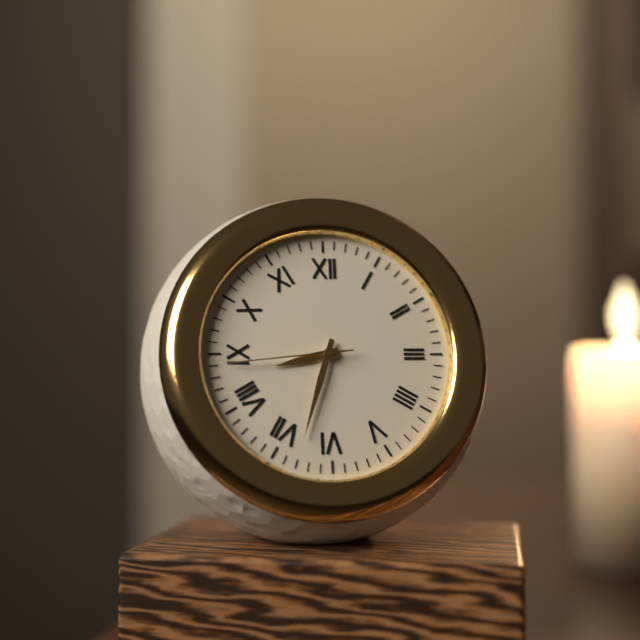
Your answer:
8 h 33 min 44 s
